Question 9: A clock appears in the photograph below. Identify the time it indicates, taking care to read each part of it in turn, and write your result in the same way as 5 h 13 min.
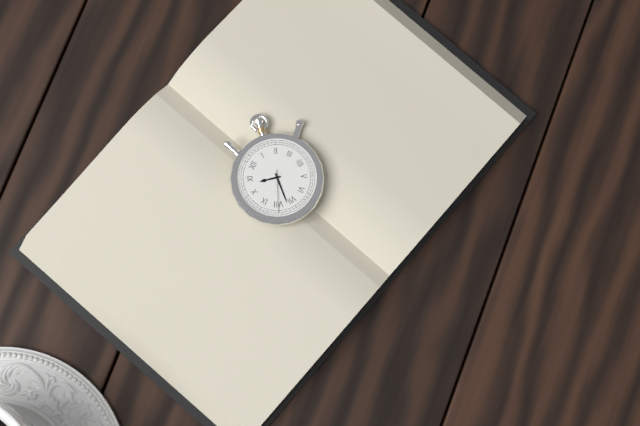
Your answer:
10 h 37 min
